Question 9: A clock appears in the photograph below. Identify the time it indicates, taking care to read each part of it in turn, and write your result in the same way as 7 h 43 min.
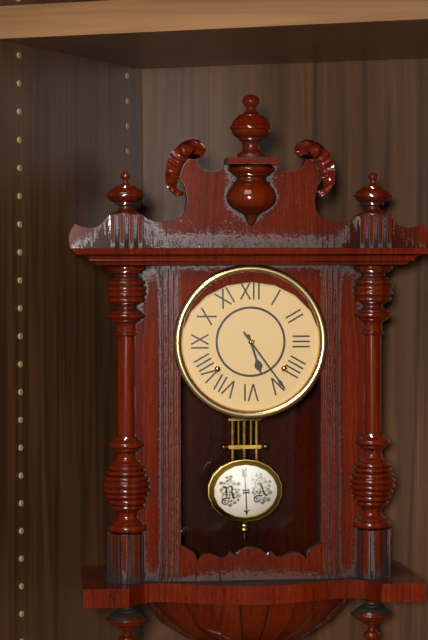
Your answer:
5 h 24 min
